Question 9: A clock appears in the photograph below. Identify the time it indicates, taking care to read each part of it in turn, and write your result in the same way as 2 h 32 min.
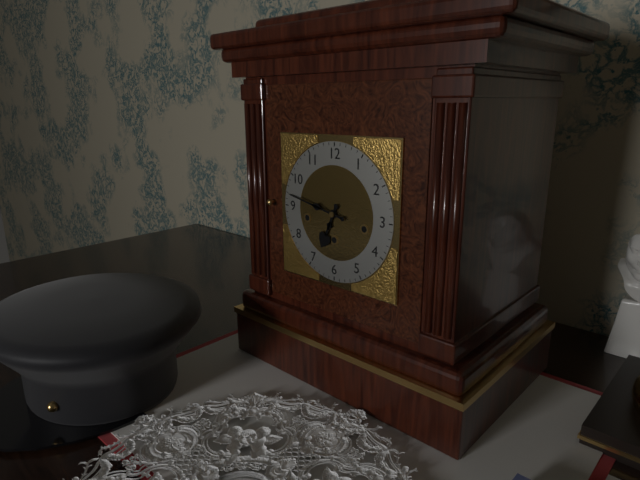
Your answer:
6 h 47 min
